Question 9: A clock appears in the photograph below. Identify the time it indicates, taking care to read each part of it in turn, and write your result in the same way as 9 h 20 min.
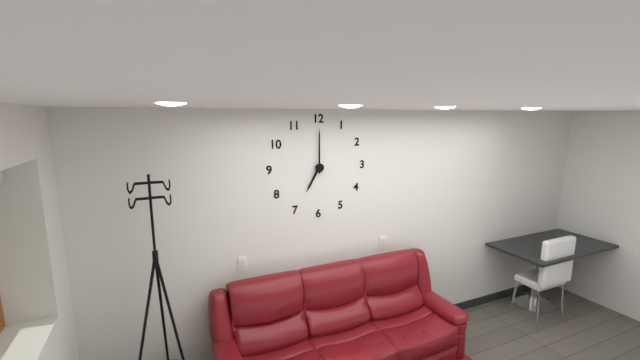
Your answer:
7 h 00 min
